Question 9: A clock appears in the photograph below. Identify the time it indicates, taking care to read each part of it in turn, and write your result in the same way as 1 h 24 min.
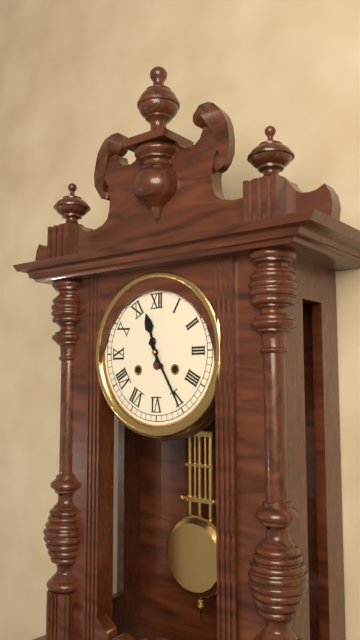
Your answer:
11 h 25 min
